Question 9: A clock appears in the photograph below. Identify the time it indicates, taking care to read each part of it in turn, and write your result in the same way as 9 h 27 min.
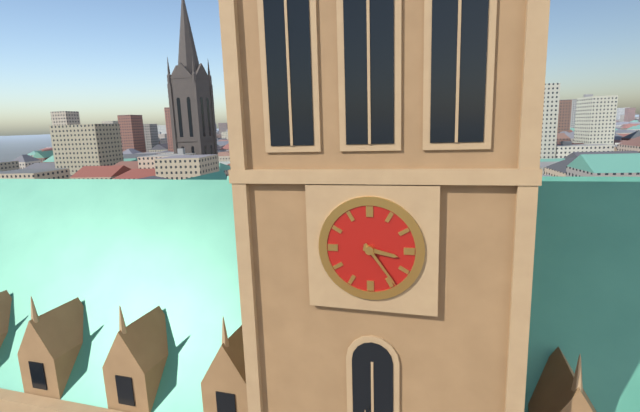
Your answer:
3 h 24 min
